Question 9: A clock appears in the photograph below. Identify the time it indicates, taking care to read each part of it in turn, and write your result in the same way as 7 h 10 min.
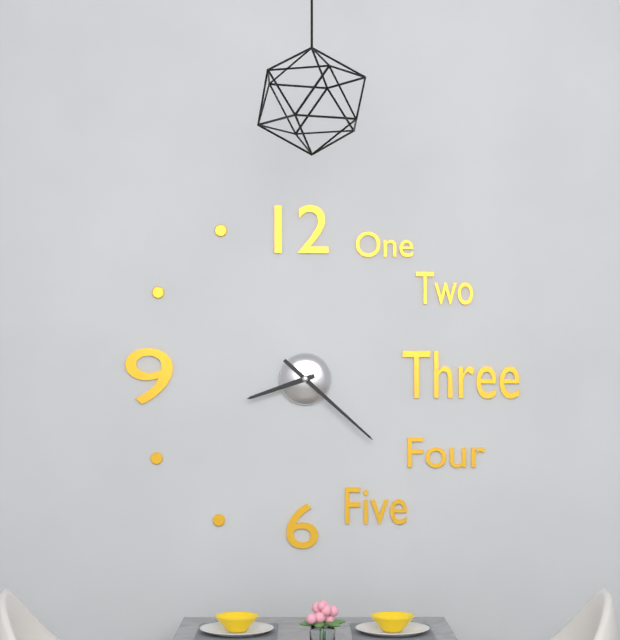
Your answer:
8 h 22 min
